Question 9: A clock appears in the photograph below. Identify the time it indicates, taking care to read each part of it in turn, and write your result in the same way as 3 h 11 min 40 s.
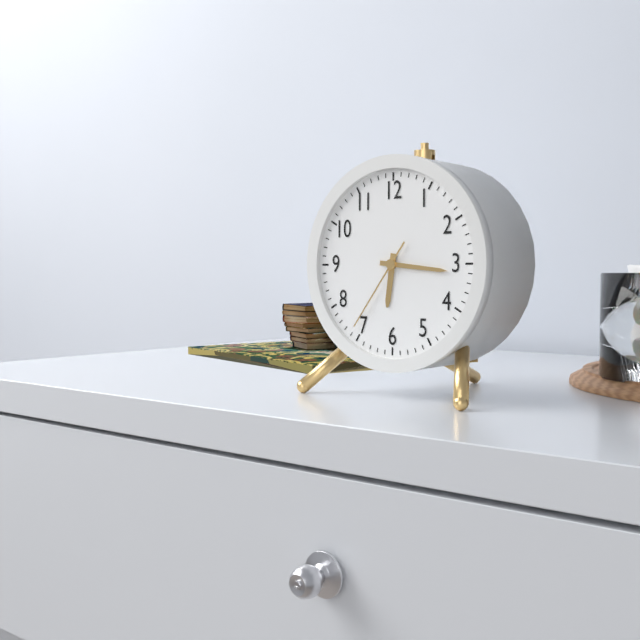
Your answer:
6 h 16 min 36 s
